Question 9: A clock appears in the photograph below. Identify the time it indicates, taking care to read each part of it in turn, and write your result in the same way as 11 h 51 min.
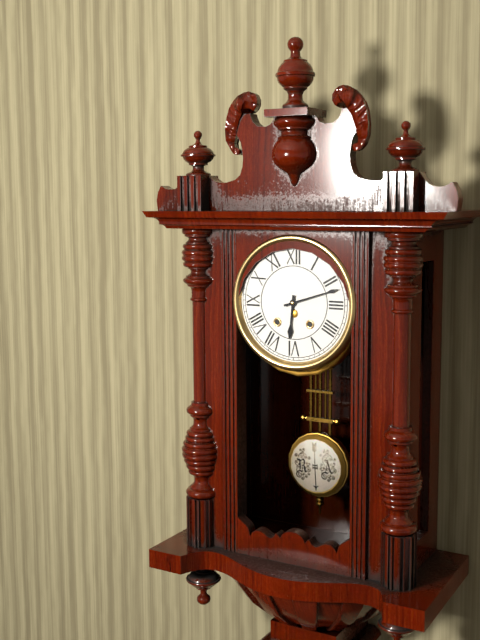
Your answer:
6 h 12 min
